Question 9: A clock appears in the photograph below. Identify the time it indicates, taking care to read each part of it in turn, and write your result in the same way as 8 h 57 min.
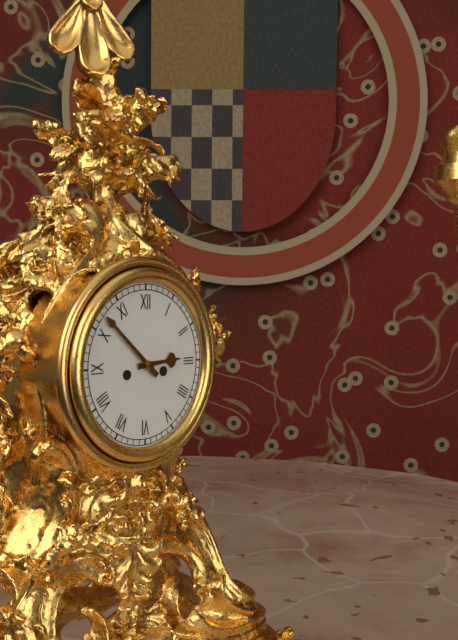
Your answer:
2 h 52 min
